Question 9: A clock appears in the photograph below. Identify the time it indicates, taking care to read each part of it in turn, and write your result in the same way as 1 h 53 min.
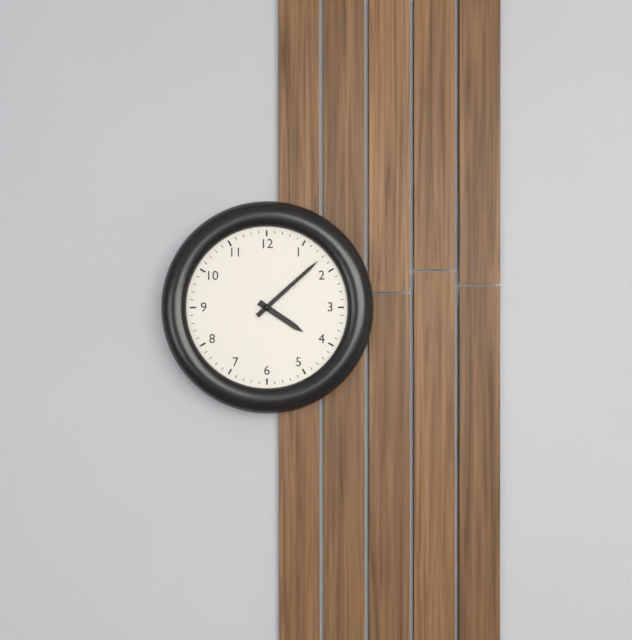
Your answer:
4 h 08 min
